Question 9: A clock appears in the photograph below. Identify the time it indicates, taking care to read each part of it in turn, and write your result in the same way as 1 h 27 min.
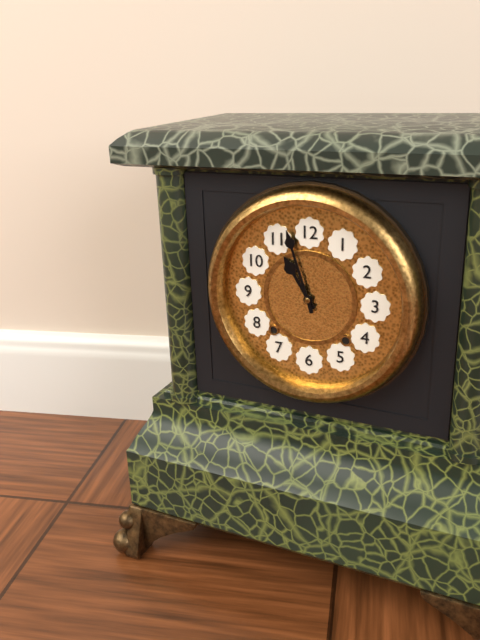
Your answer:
10 h 57 min
